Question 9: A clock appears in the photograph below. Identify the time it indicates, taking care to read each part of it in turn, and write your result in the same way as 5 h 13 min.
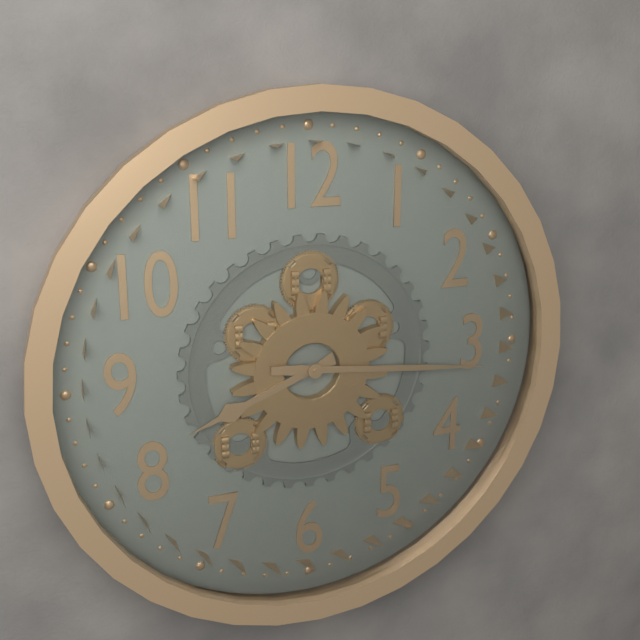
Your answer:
8 h 16 min
